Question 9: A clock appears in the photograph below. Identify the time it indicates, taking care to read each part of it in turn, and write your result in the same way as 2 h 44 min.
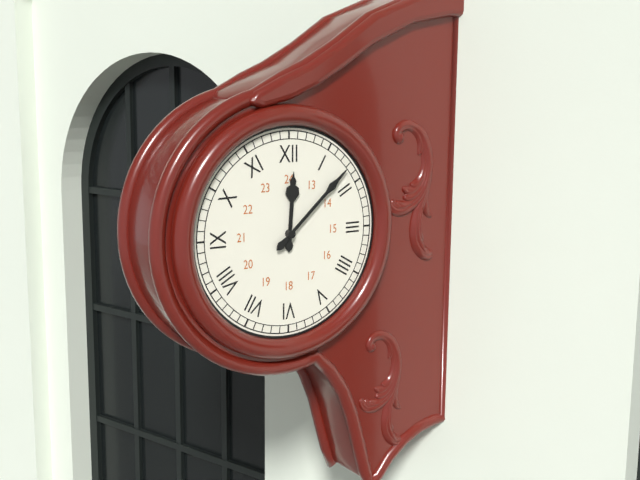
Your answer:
12 h 08 min
